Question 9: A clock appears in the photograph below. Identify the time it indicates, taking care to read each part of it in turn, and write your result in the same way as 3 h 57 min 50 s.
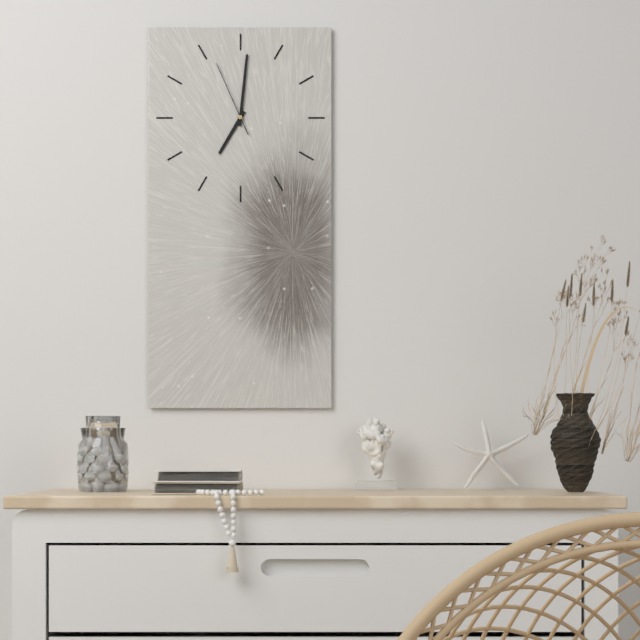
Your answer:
7 h 01 min 56 s
